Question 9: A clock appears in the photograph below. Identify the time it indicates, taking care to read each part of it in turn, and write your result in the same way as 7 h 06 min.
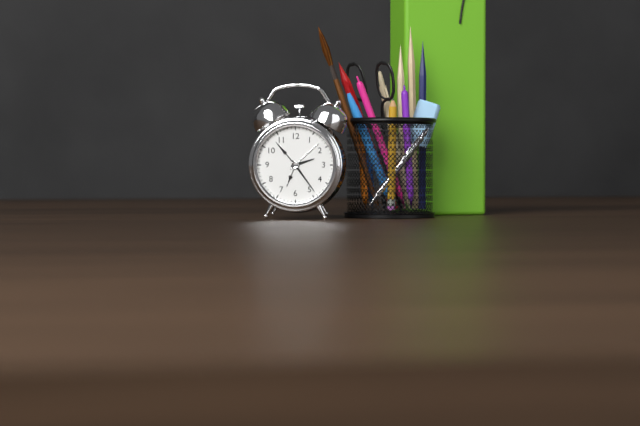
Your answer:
2 h 24 min
